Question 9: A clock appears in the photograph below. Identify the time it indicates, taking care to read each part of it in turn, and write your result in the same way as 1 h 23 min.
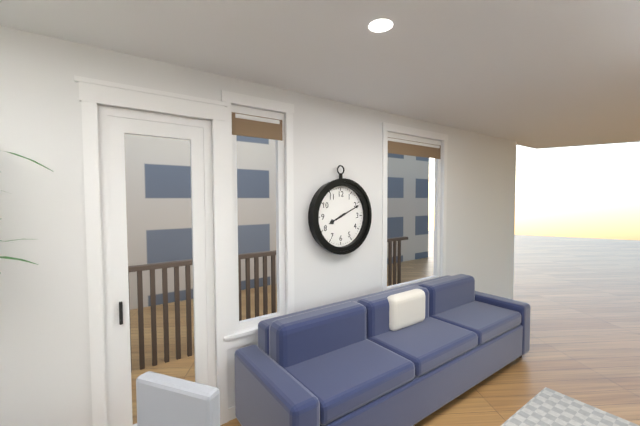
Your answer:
8 h 11 min
